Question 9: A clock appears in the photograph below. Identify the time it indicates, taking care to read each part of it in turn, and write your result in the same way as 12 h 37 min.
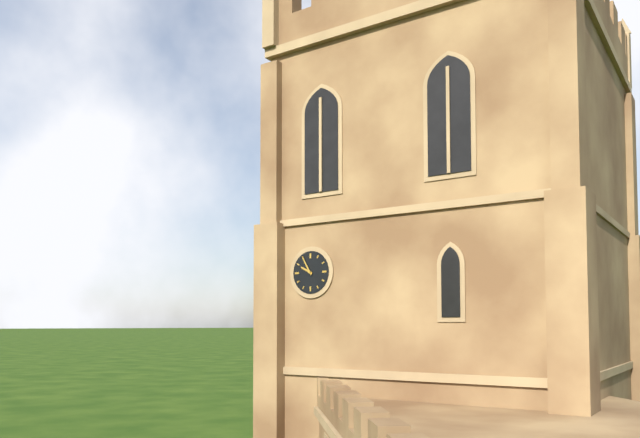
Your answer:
9 h 55 min
